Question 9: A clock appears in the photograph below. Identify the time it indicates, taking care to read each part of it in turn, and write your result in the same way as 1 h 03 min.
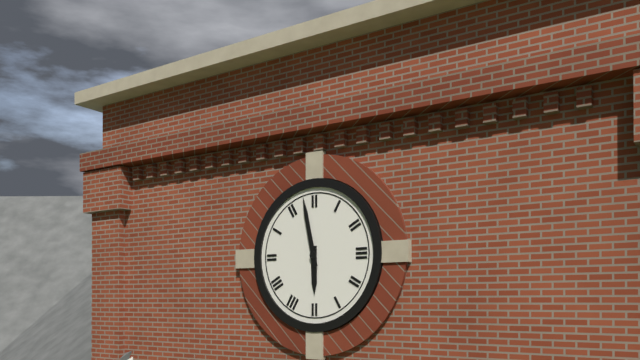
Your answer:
5 h 58 min
